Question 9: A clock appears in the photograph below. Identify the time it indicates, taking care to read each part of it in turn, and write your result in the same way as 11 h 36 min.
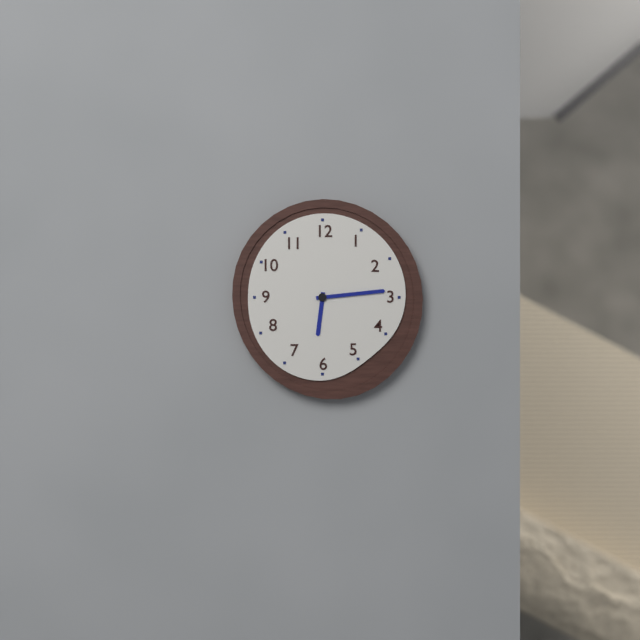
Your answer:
6 h 14 min
